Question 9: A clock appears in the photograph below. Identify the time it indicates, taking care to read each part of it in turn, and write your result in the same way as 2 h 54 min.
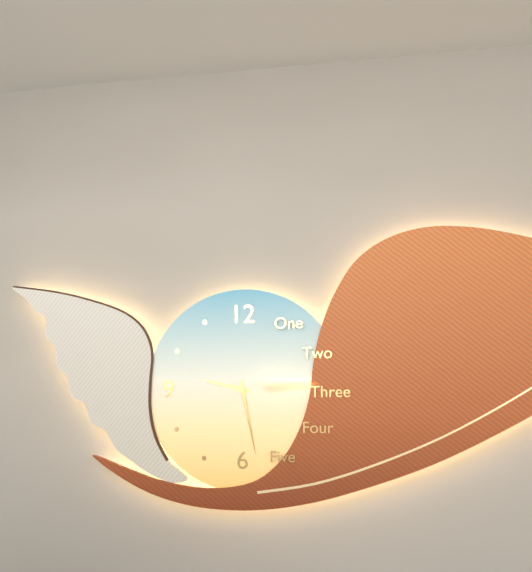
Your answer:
9 h 28 min
